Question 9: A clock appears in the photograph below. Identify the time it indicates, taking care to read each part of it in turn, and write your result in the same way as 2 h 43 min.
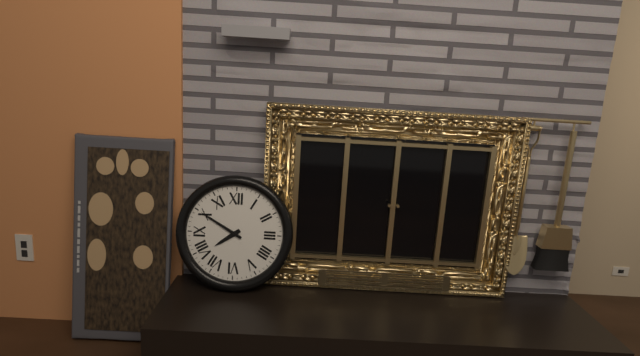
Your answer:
7 h 50 min
